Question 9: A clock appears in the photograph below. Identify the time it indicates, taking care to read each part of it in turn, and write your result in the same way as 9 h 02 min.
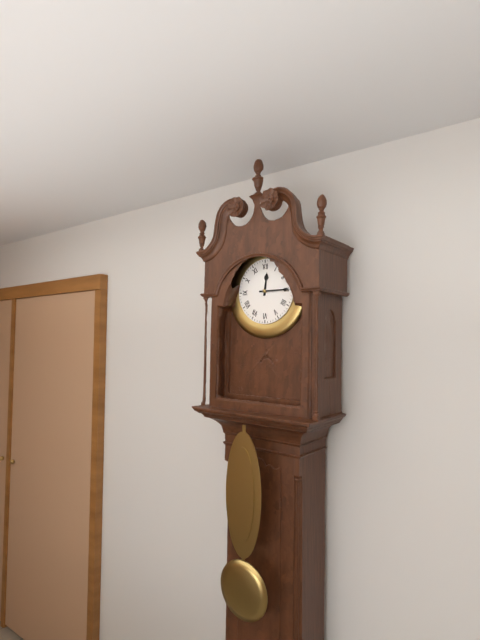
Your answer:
12 h 15 min
